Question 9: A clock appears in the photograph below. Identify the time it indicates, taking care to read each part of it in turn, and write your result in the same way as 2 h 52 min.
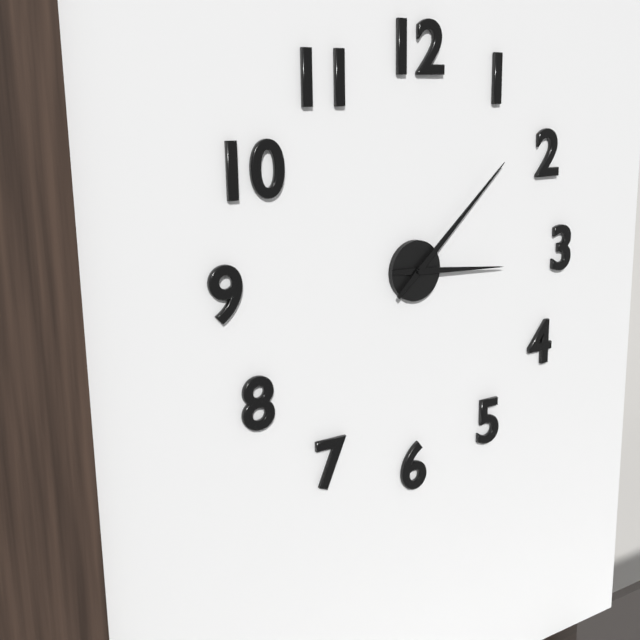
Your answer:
3 h 08 min
